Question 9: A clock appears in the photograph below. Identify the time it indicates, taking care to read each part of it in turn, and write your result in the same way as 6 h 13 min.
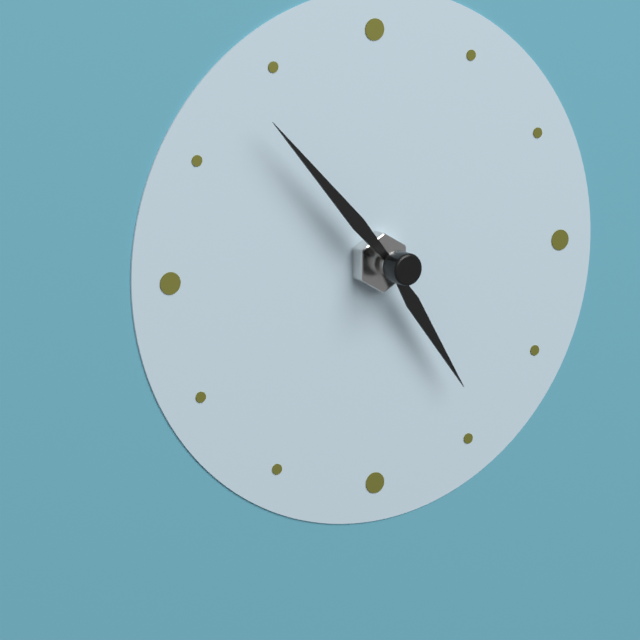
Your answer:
4 h 53 min
